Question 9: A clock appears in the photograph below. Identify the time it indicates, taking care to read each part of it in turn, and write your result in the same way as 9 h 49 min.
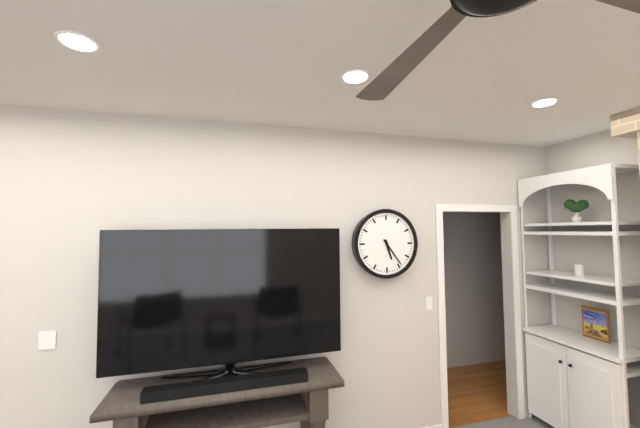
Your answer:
5 h 24 min
